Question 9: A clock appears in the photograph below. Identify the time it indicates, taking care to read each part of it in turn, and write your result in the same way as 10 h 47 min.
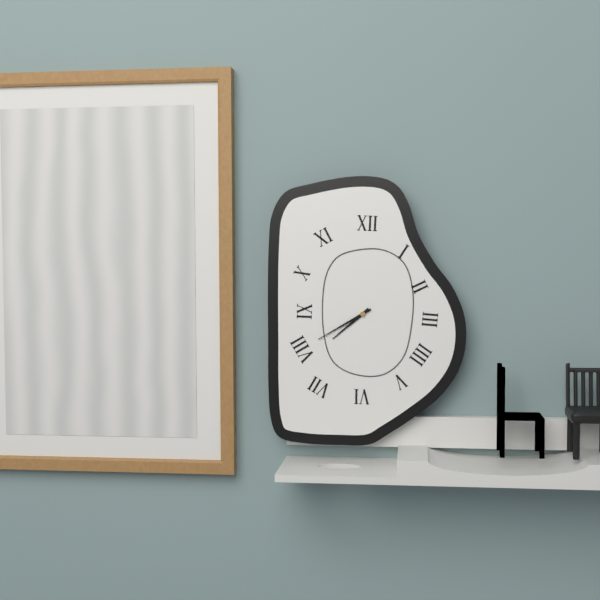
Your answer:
7 h 40 min
